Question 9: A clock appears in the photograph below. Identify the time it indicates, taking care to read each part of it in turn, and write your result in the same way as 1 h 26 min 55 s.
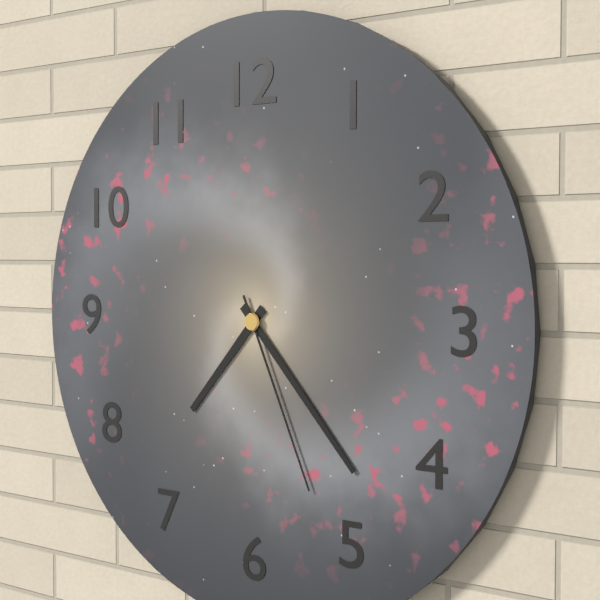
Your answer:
7 h 23 min 26 s
